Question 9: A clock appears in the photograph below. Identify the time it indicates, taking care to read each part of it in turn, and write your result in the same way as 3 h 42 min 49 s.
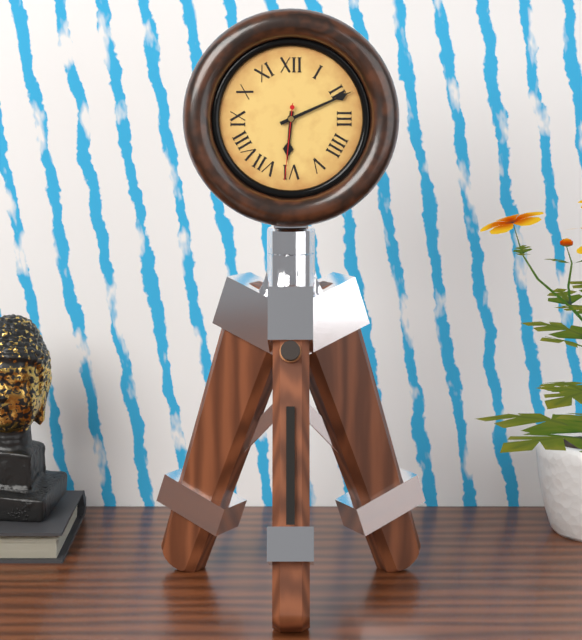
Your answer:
6 h 11 min 31 s
